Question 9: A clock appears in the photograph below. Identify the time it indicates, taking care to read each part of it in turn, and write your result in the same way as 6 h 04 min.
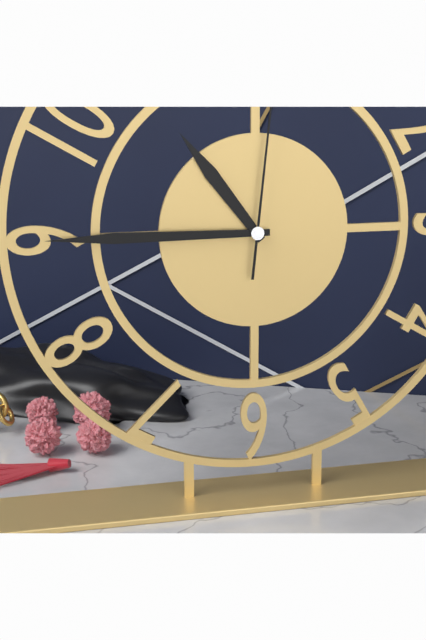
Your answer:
10 h 45 min
